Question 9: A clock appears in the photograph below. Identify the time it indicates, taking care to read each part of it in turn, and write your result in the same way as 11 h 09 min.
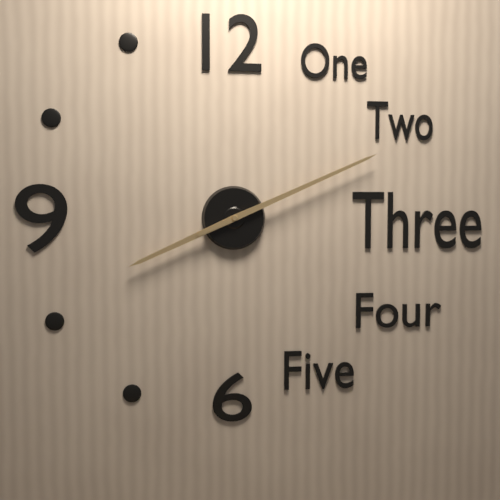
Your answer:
8 h 11 min
